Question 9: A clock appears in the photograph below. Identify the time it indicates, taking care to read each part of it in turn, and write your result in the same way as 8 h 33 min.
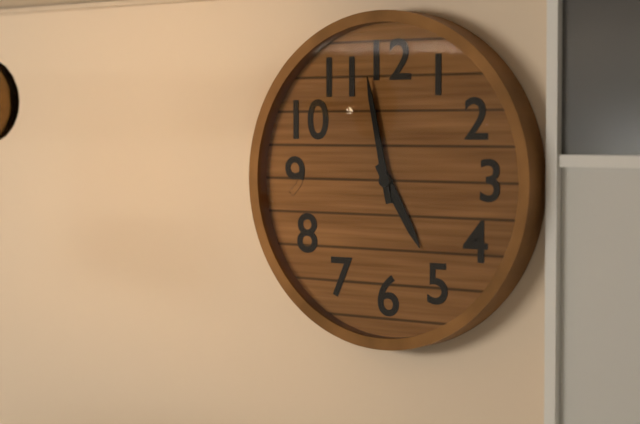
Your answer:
4 h 58 min
